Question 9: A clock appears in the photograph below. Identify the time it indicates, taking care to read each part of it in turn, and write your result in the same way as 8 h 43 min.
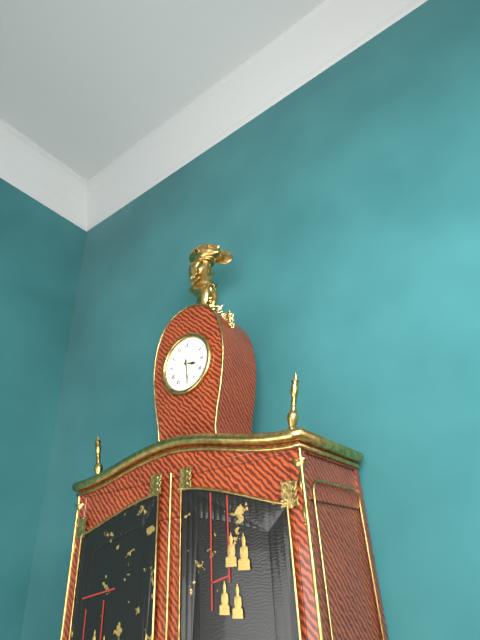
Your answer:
3 h 29 min
